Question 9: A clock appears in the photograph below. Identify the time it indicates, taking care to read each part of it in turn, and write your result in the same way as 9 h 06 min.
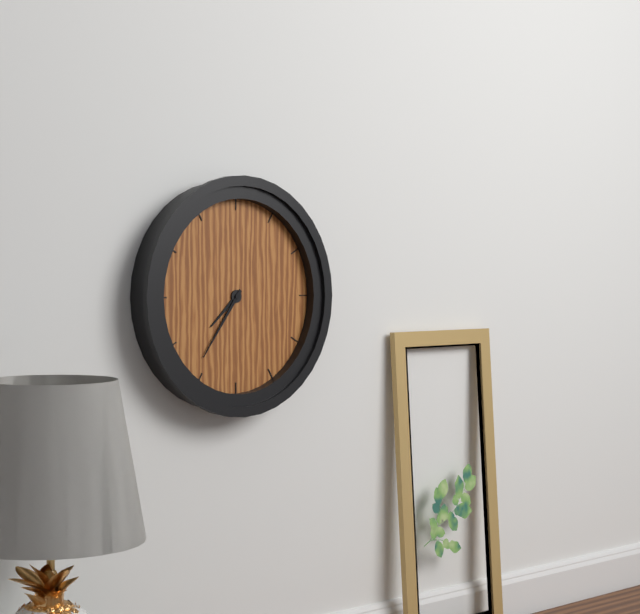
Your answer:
7 h 36 min
